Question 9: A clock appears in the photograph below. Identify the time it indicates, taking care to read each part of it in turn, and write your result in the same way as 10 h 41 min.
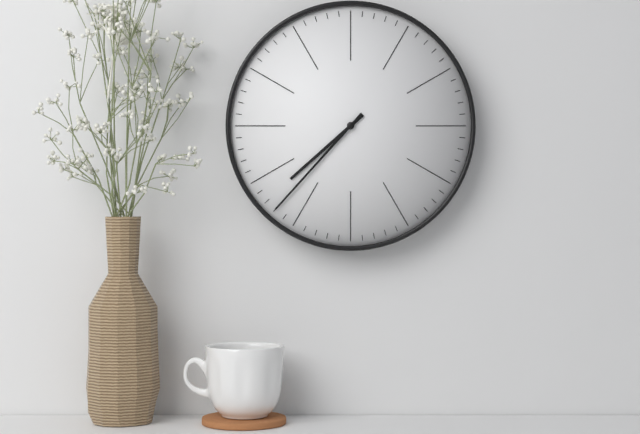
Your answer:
7 h 37 min
